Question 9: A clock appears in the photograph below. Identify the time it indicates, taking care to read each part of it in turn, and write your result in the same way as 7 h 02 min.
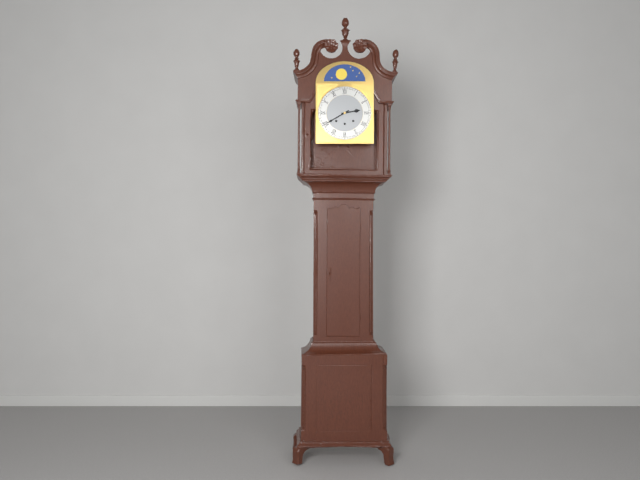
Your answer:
2 h 40 min
